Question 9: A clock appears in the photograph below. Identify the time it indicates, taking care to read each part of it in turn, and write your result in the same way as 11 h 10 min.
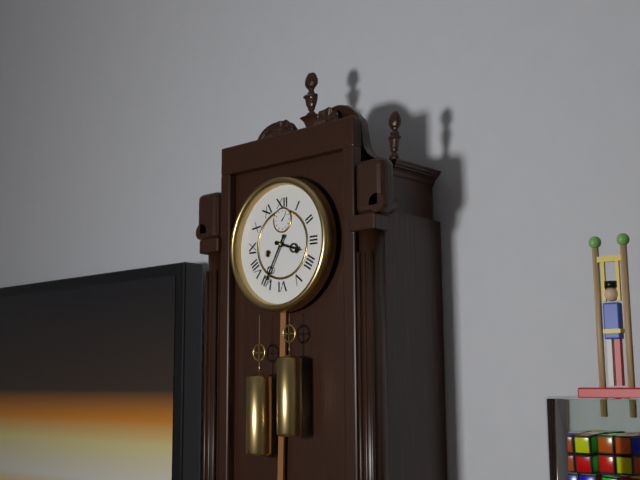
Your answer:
3 h 35 min
